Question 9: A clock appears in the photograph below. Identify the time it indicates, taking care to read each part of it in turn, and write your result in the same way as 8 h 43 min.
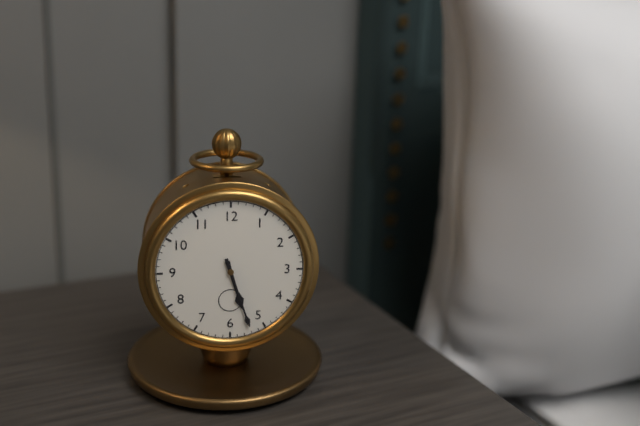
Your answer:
5 h 27 min
